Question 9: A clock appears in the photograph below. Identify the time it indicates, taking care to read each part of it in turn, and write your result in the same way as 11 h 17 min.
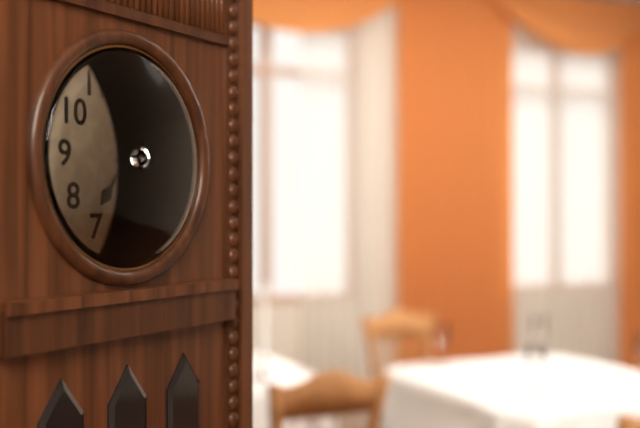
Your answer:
7 h 13 min
